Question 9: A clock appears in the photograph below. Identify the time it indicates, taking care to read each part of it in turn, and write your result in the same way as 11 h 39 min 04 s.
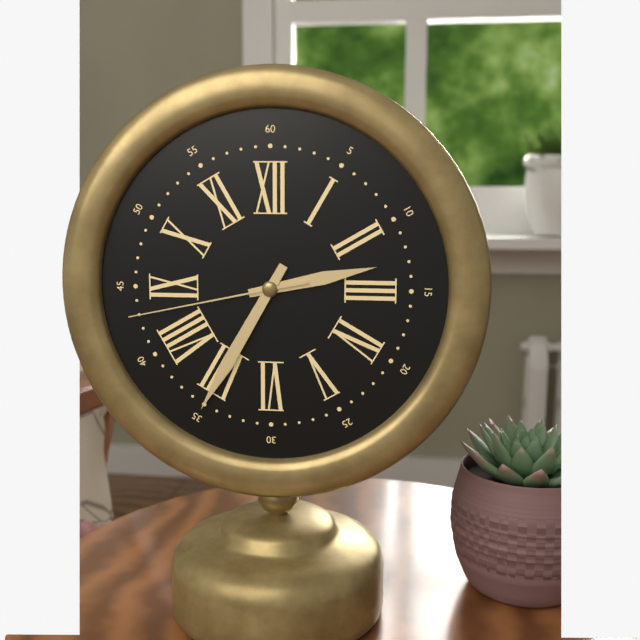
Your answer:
2 h 35 min 43 s
